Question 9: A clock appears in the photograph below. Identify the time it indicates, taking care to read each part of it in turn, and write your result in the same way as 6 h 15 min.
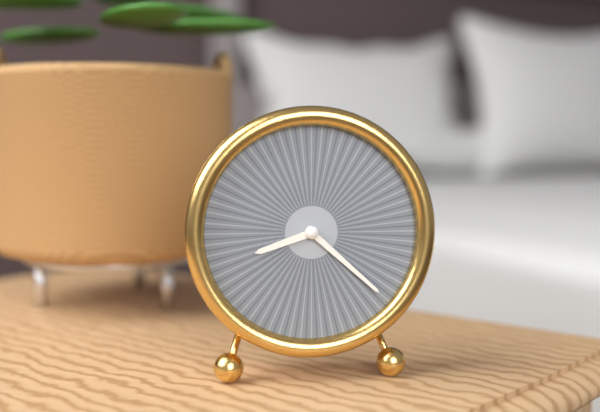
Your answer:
8 h 22 min
